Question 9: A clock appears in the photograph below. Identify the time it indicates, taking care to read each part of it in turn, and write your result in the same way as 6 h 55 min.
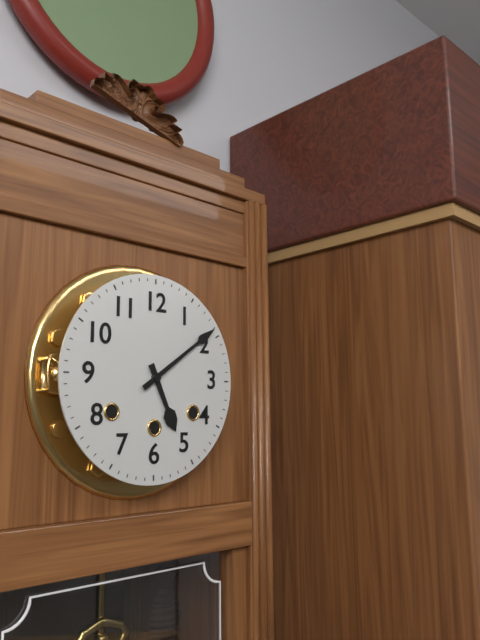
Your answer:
5 h 09 min
